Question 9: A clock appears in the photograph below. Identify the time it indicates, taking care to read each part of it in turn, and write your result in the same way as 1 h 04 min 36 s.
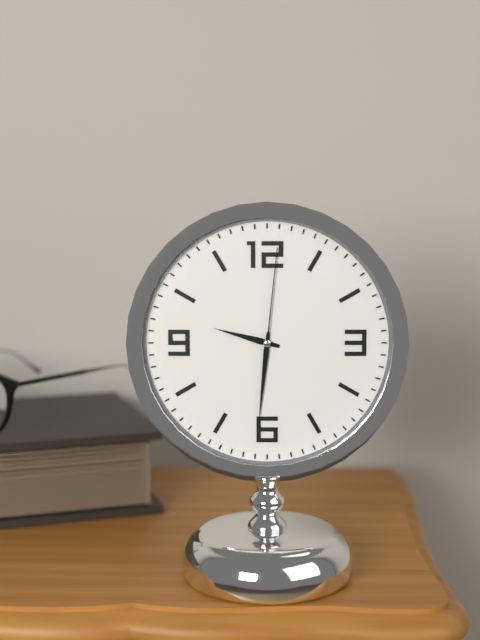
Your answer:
9 h 31 min 01 s
